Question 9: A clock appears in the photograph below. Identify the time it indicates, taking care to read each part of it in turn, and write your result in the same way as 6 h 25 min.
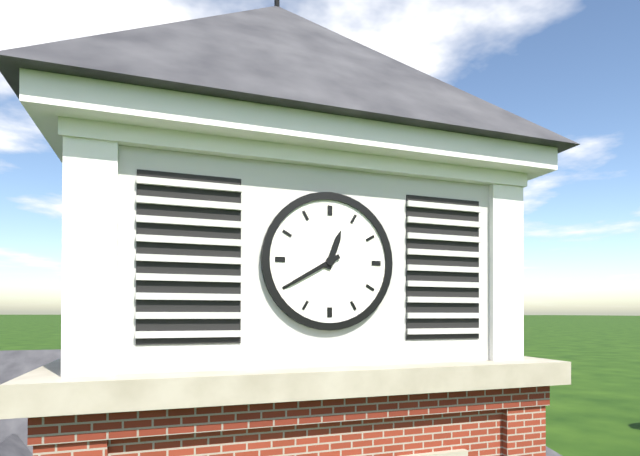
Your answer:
12 h 40 min
